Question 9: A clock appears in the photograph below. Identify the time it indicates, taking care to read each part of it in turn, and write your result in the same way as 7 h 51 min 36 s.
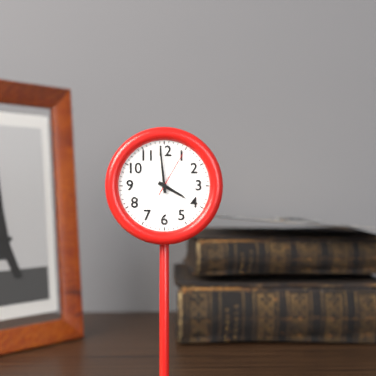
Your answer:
3 h 59 min 05 s
